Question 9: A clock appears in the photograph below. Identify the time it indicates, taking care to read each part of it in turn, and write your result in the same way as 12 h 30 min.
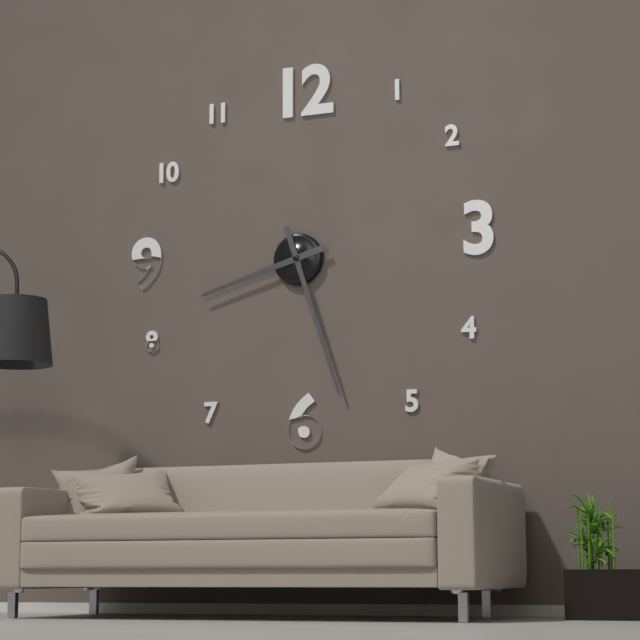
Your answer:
8 h 27 min
